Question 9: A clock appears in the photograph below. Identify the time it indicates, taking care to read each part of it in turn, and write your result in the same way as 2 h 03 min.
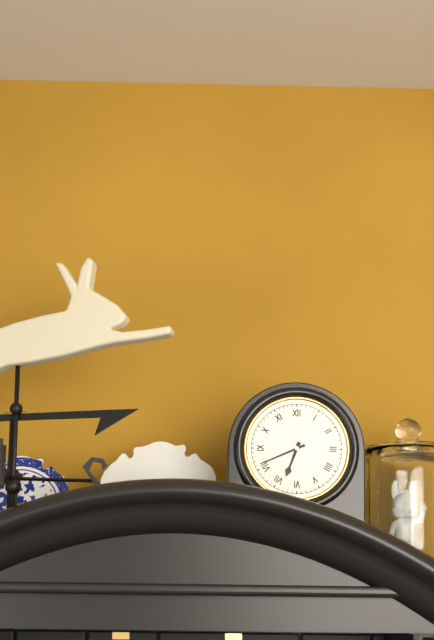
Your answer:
6 h 41 min
